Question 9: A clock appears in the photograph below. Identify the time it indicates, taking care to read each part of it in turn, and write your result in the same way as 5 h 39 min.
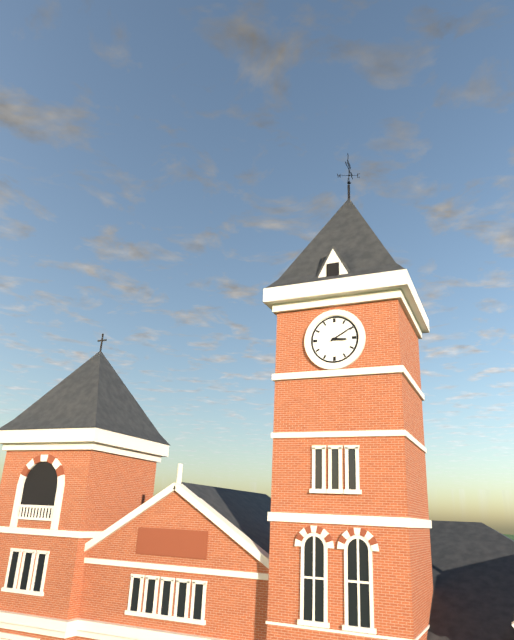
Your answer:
3 h 10 min
